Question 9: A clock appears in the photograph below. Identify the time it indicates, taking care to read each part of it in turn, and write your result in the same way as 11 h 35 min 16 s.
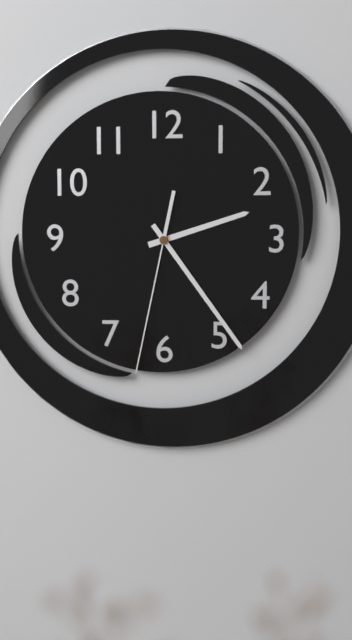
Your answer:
2 h 24 min 32 s
